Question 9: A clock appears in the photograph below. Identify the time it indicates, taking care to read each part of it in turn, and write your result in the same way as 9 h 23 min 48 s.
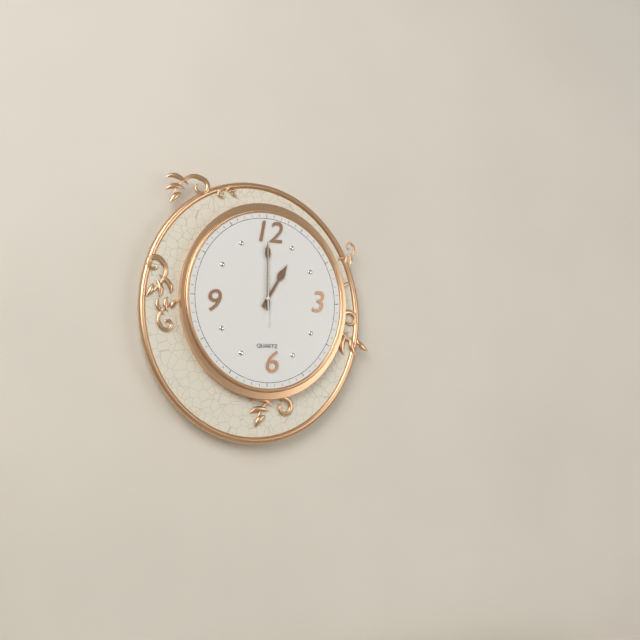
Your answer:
1 h 00 min 00 s
